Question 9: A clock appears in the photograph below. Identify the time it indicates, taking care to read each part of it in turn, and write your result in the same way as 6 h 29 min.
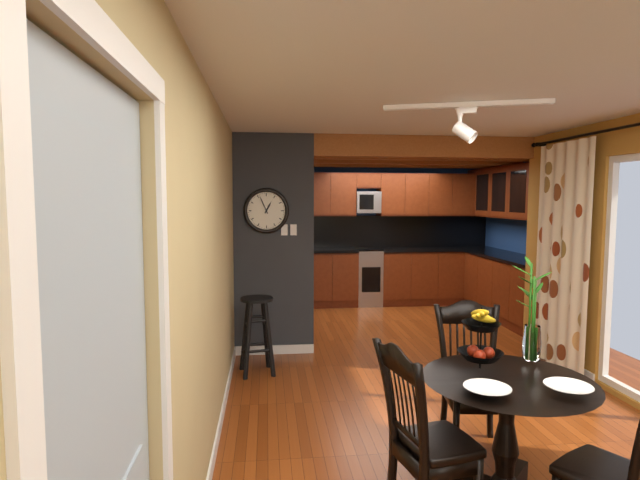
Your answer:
12 h 56 min
